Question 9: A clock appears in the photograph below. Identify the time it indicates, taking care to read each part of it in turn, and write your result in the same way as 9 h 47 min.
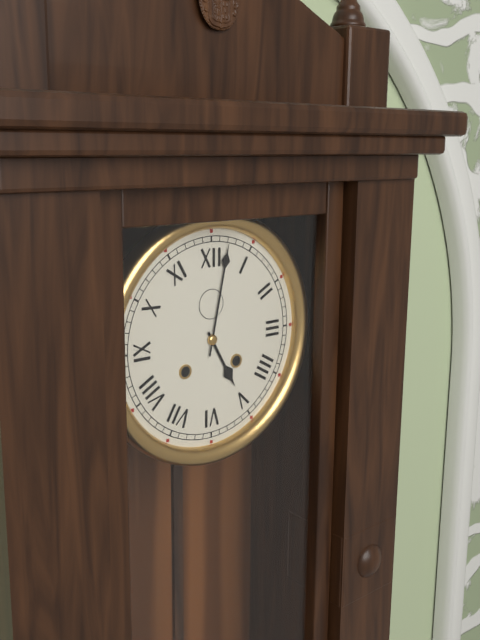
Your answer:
5 h 02 min
